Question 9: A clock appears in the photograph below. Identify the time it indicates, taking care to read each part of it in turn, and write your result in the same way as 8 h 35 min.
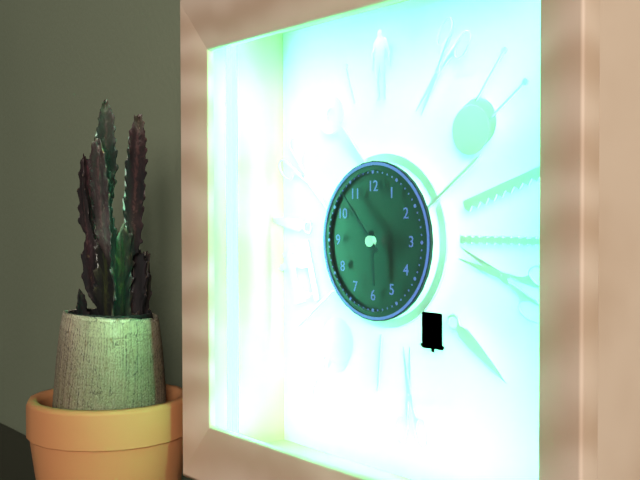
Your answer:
5 h 53 min
